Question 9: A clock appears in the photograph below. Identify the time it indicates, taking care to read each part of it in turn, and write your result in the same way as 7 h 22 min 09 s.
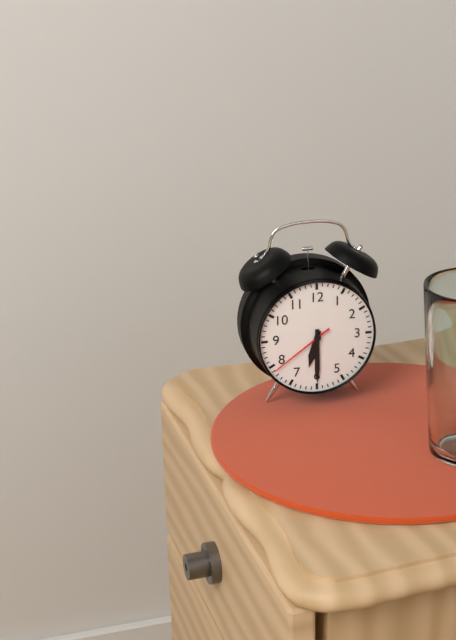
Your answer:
6 h 30 min 39 s
